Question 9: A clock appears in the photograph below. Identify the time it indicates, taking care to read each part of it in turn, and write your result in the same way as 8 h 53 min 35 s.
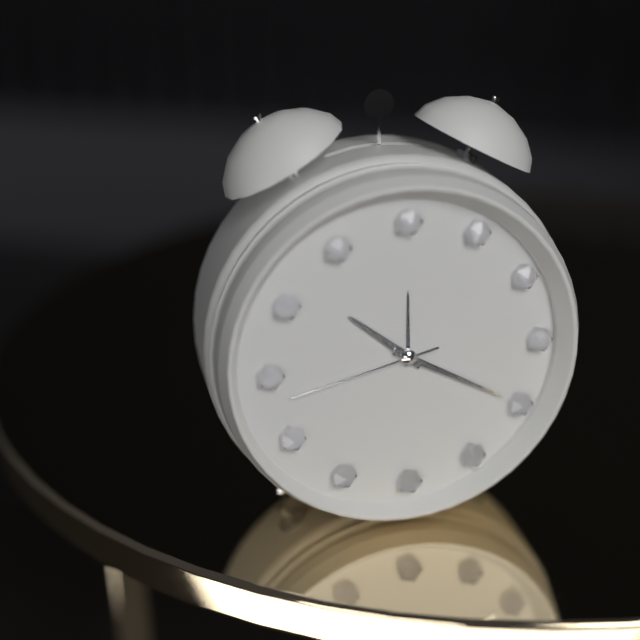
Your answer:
10 h 20 min 43 s
